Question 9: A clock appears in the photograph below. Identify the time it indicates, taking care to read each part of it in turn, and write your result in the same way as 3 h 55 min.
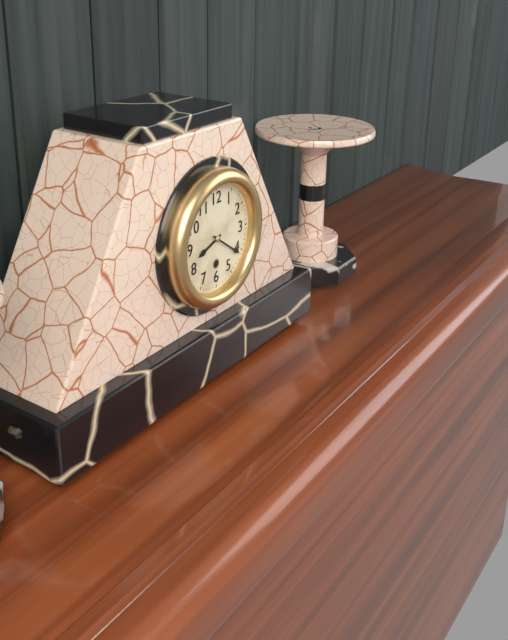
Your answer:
8 h 21 min
